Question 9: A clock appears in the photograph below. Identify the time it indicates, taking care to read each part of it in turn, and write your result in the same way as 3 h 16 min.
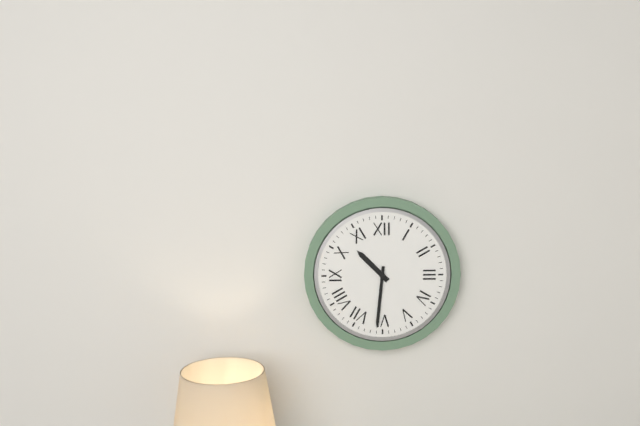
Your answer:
10 h 31 min
